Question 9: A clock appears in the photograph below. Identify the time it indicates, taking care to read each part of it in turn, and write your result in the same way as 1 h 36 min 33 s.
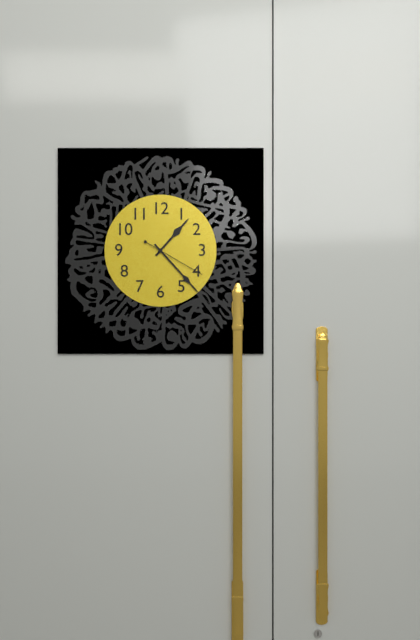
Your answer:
1 h 23 min 20 s
